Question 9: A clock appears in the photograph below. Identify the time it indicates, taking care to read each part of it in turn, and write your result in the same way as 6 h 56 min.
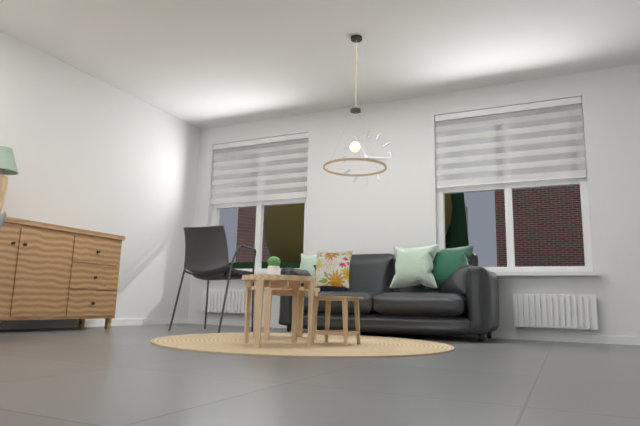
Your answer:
11 h 16 min
